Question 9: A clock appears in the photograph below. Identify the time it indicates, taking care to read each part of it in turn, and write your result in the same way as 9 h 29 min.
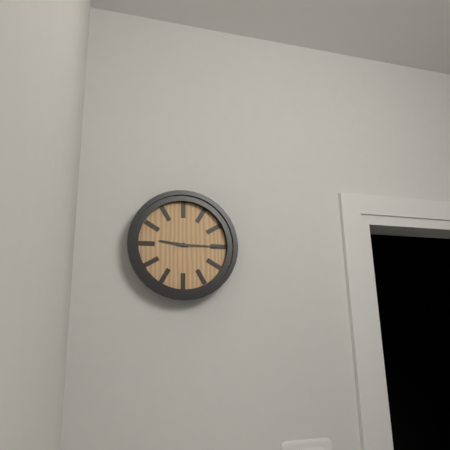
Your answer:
9 h 15 min
